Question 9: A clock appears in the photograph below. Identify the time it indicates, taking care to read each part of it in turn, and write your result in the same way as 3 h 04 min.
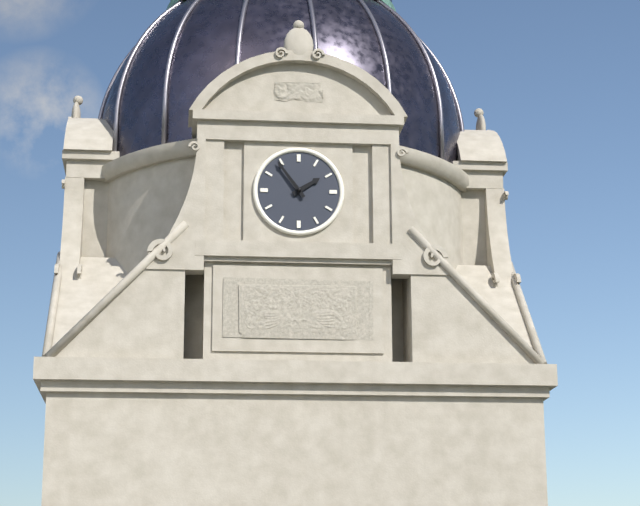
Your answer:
1 h 54 min
